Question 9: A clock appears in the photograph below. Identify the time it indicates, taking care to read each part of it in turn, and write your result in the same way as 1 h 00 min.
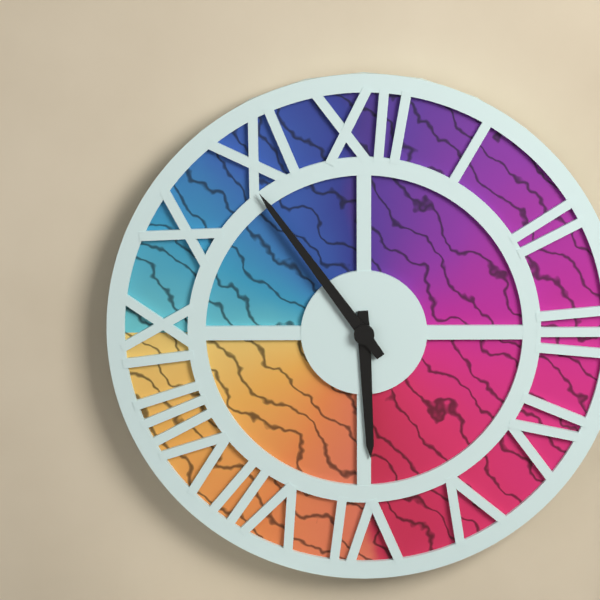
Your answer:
5 h 54 min
